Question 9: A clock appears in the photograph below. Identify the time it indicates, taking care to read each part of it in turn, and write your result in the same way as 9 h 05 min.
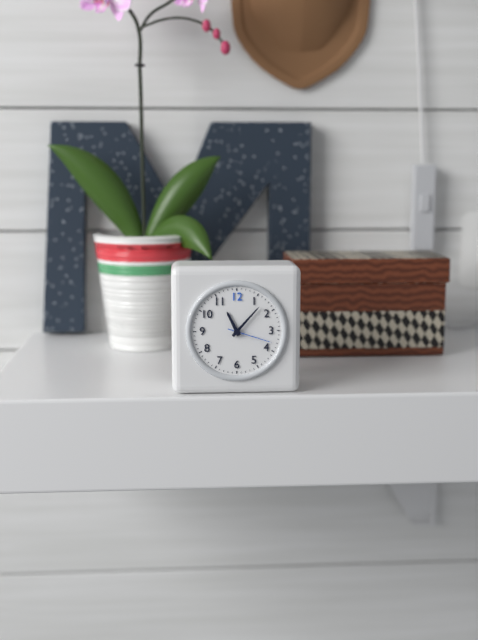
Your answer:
11 h 07 min
